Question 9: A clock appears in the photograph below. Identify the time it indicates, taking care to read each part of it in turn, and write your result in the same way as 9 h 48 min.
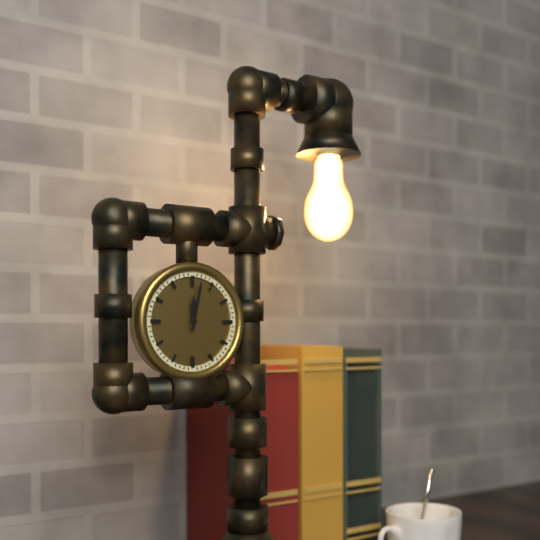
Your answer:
12 h 02 min
